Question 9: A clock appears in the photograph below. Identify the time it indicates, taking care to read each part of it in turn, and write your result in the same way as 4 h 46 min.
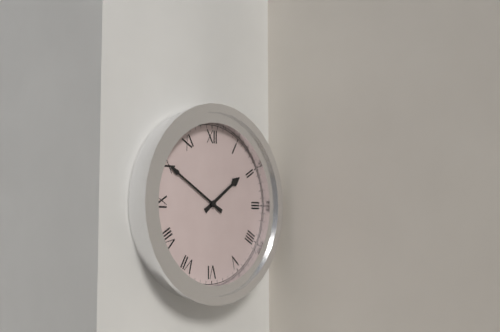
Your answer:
1 h 50 min
